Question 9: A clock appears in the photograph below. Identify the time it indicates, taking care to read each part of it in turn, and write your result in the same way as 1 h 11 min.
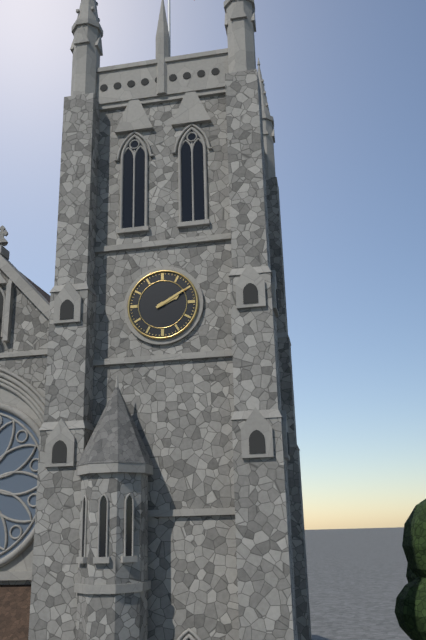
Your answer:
2 h 10 min
